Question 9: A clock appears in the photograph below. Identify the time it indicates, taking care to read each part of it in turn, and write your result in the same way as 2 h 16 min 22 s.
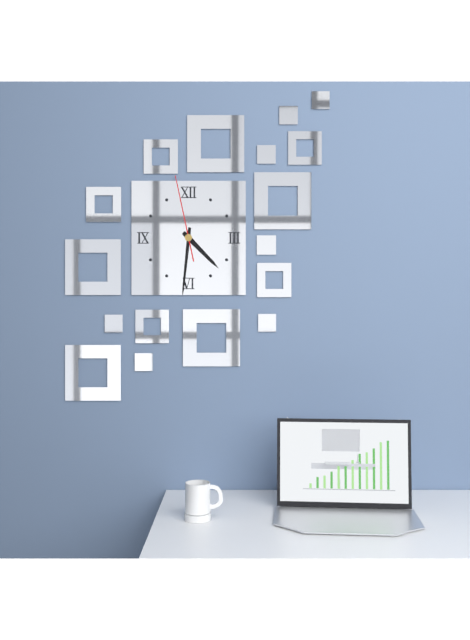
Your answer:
4 h 31 min 58 s
